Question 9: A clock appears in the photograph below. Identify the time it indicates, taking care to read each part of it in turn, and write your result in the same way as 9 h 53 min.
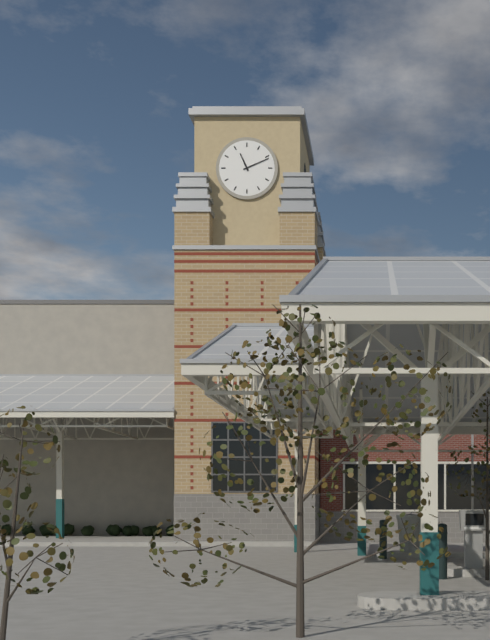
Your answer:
11 h 11 min
